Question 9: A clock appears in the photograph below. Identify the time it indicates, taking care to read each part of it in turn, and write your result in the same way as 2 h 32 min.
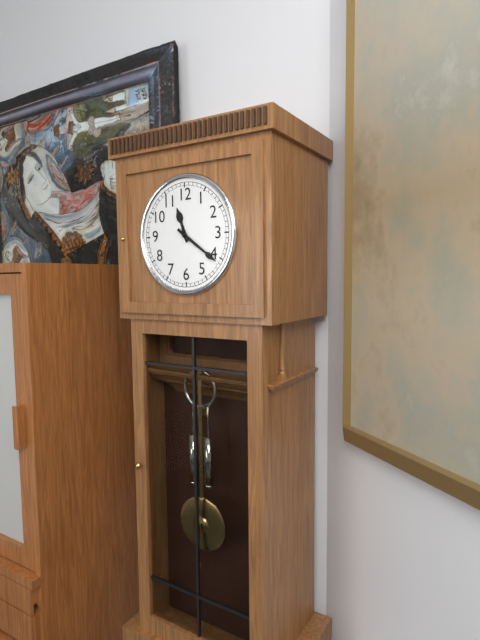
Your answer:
11 h 21 min
